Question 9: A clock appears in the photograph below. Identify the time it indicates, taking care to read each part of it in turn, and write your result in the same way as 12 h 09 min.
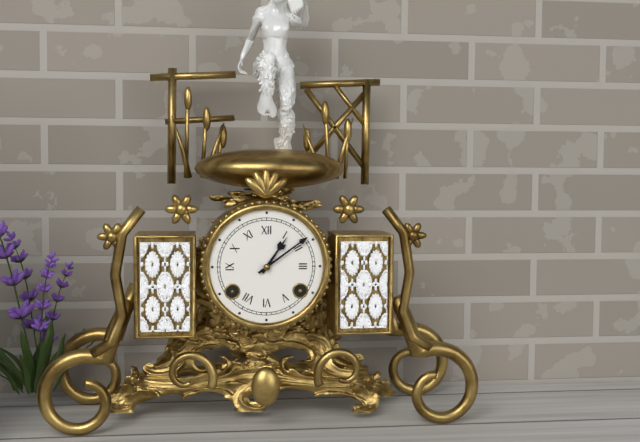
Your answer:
1 h 09 min
